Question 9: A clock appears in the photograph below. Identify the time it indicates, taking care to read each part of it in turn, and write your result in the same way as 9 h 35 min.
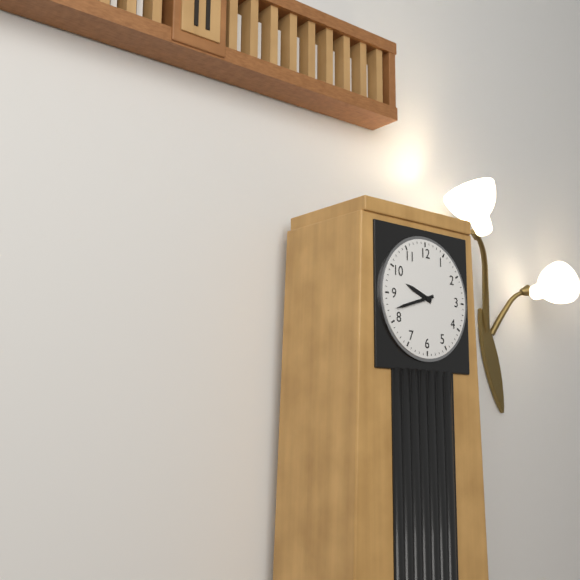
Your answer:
9 h 42 min
